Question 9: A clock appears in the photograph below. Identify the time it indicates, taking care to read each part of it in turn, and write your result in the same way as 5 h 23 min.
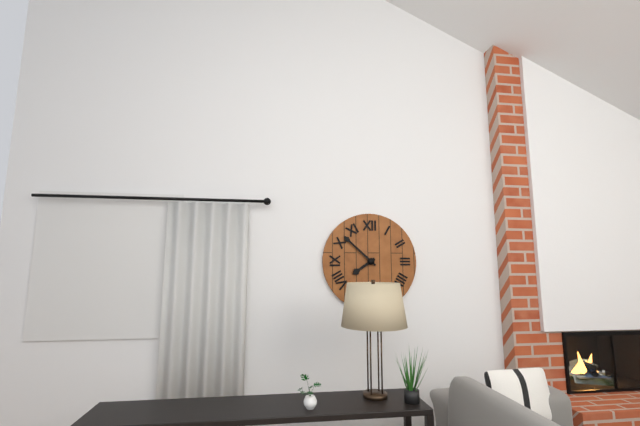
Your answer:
7 h 52 min
